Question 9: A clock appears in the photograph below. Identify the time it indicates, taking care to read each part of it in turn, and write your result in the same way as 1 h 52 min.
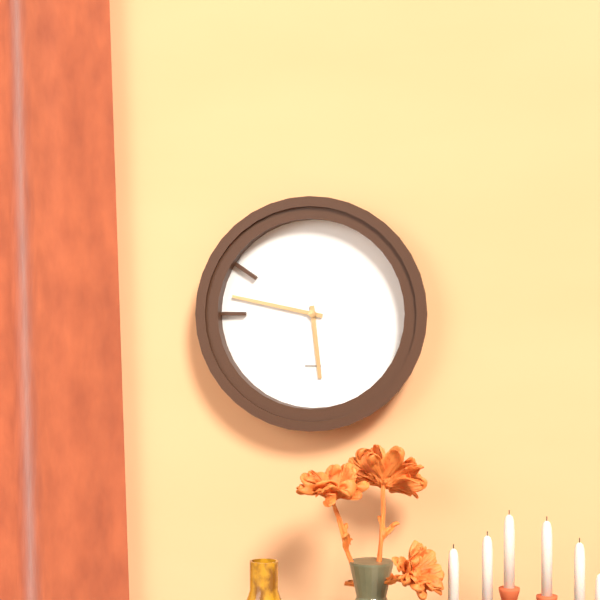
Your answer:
5 h 47 min
